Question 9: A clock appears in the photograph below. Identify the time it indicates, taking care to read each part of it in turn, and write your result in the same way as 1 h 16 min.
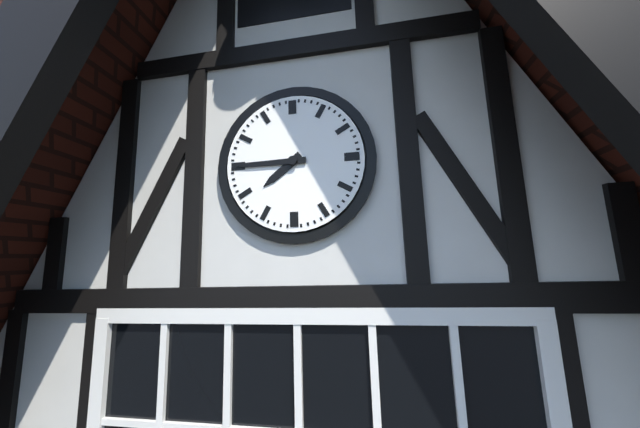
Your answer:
7 h 45 min
